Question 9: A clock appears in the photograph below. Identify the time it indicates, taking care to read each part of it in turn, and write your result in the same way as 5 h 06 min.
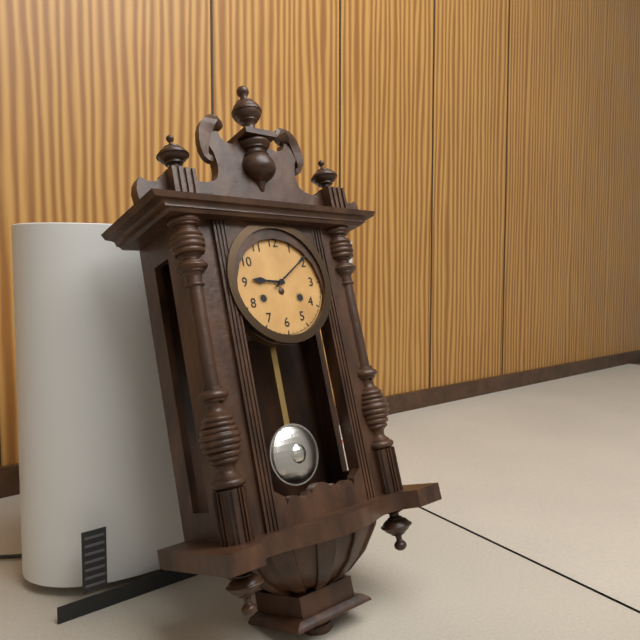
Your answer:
9 h 09 min
